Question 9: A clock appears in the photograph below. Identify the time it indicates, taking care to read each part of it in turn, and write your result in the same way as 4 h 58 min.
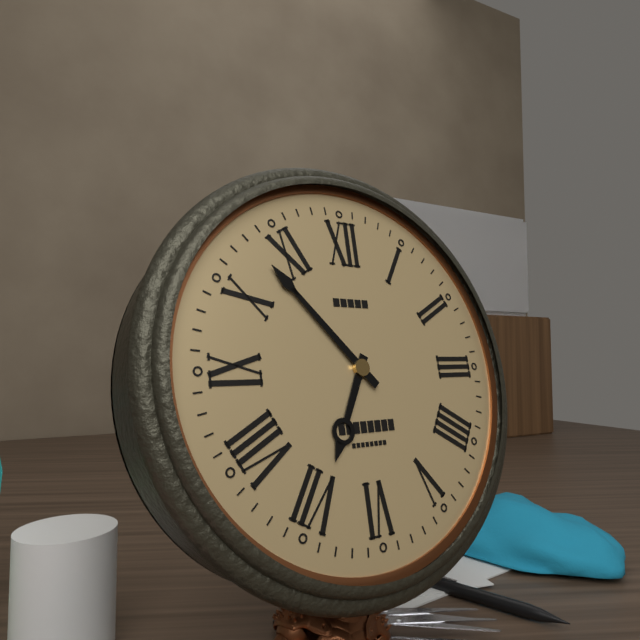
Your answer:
6 h 53 min
